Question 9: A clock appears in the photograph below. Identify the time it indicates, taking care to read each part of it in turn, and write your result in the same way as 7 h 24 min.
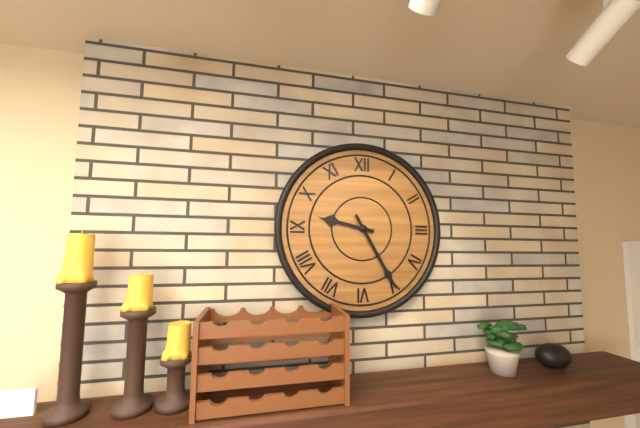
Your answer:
9 h 25 min
